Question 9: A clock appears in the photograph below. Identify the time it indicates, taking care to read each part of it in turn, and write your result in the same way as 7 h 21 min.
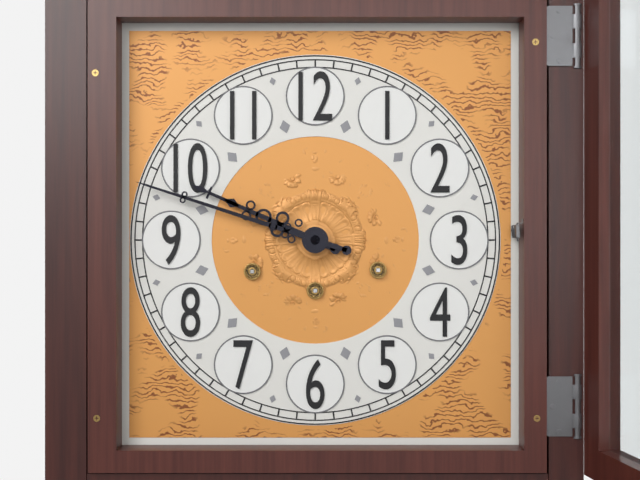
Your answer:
9 h 48 min
